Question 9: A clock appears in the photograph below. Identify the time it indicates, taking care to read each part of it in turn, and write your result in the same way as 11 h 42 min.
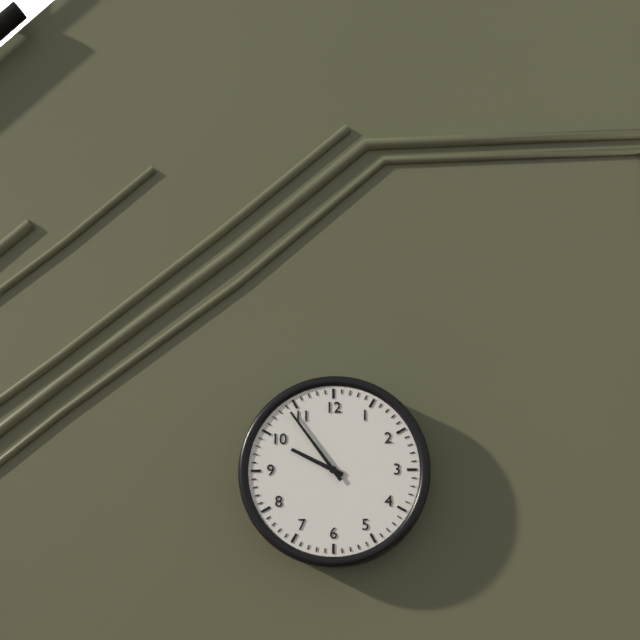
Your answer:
9 h 54 min
